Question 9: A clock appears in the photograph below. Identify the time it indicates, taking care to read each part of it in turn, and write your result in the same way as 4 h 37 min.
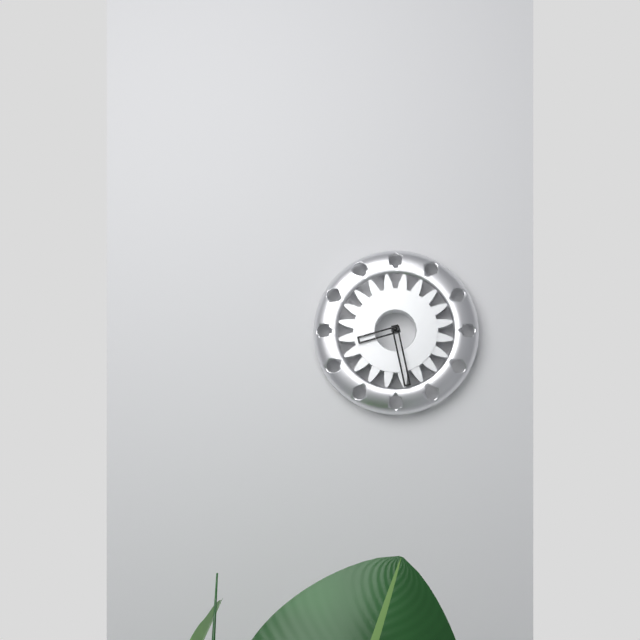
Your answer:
8 h 28 min
